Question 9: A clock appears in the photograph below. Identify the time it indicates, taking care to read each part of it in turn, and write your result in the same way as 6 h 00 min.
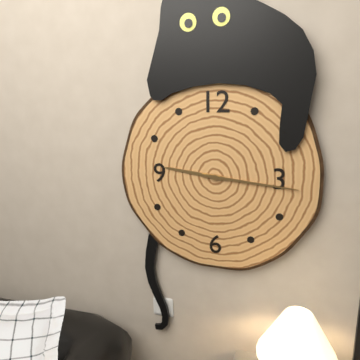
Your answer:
9 h 16 min
